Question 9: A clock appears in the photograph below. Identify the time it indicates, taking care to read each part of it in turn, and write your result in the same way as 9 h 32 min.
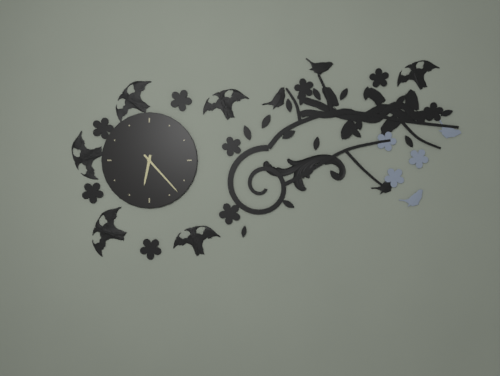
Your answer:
6 h 23 min
